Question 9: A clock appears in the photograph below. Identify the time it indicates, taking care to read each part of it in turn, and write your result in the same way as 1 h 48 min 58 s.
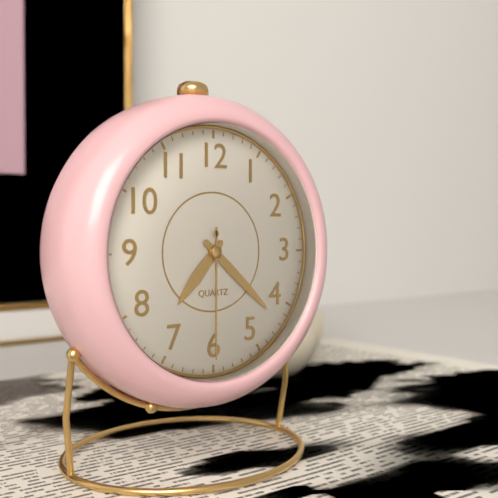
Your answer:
7 h 22 min 30 s
